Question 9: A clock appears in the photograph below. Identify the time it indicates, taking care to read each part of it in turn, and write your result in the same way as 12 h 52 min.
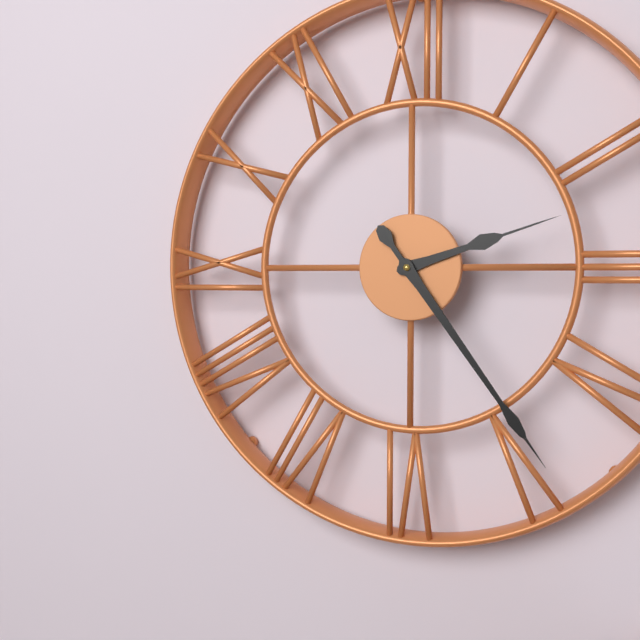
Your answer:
2 h 24 min
